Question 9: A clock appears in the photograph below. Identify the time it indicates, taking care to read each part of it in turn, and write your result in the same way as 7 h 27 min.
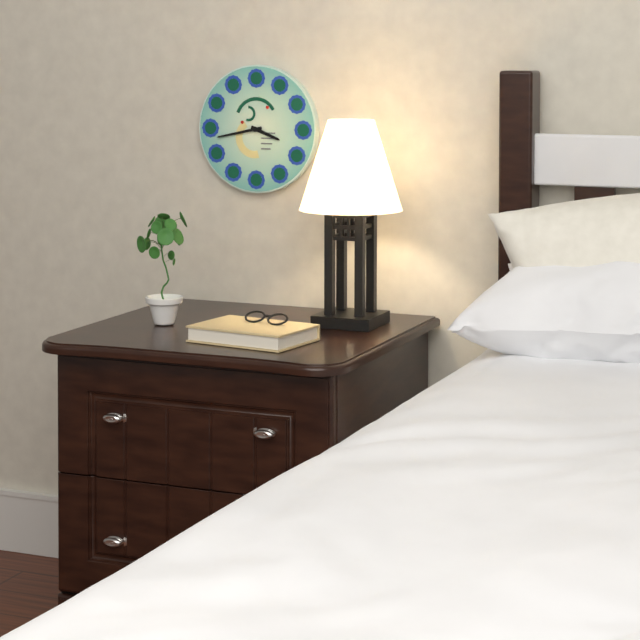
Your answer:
3 h 43 min
